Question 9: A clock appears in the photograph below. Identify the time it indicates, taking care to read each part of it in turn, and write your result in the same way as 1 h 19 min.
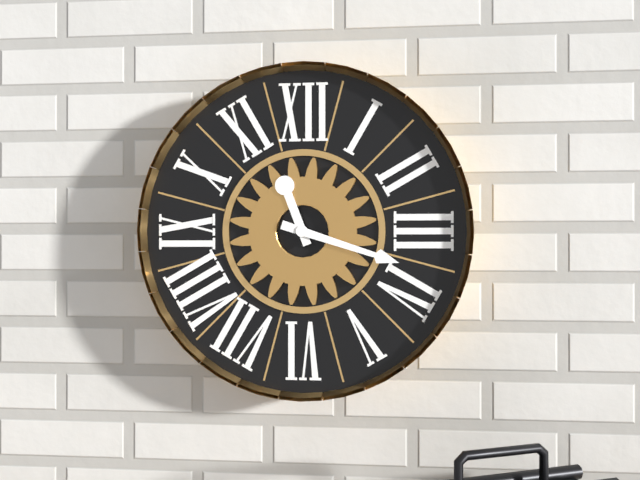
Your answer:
11 h 18 min
